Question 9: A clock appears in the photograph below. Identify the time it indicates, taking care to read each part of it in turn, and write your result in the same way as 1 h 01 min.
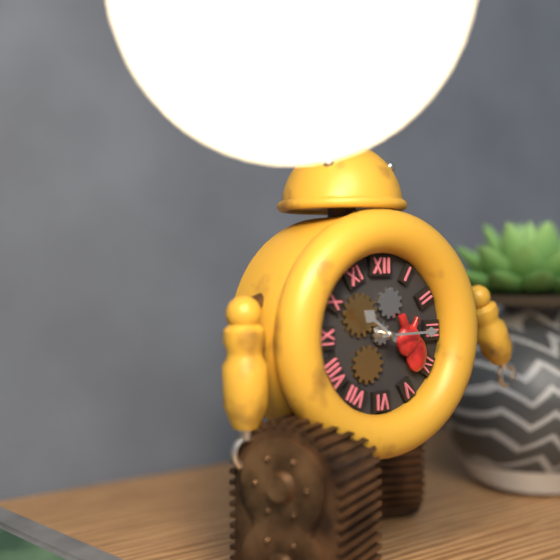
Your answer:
10 h 15 min
